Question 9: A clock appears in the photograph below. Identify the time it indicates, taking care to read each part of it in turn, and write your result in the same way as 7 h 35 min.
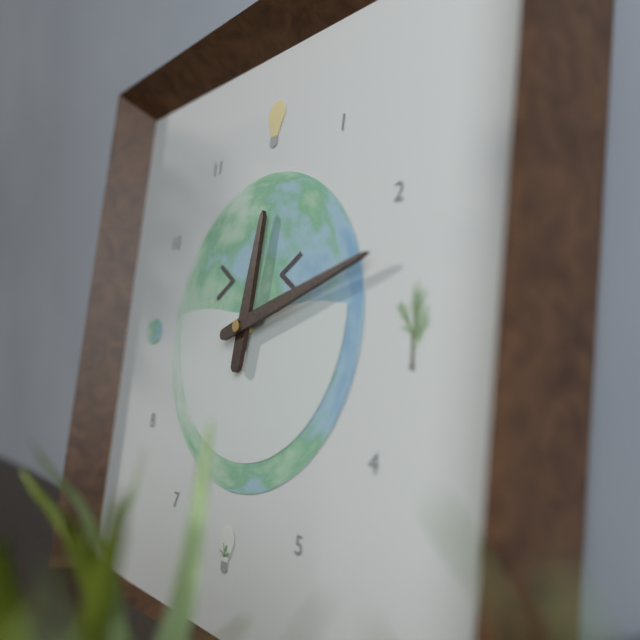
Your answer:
12 h 12 min
